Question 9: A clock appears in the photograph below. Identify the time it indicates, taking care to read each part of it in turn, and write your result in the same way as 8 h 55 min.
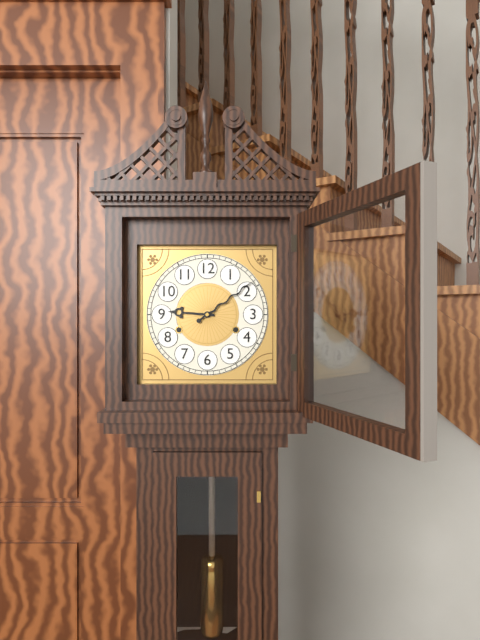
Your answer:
9 h 09 min
